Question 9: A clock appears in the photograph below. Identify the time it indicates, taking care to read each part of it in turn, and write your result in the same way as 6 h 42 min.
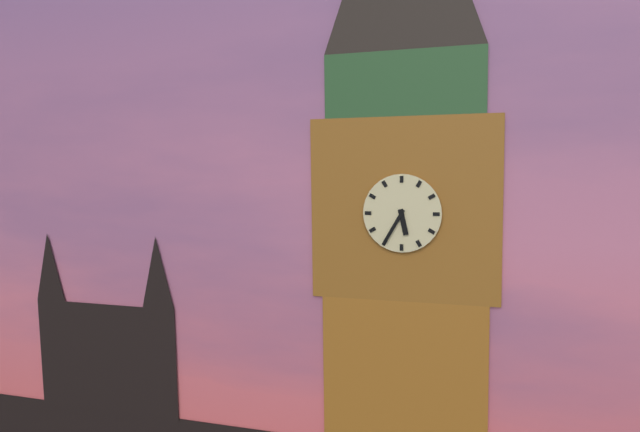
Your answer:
5 h 35 min
